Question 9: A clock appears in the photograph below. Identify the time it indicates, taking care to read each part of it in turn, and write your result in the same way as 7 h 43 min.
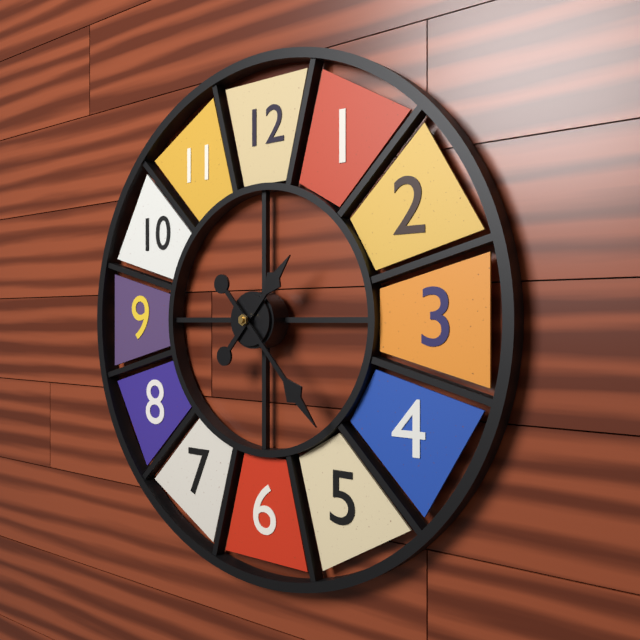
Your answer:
1 h 23 min
